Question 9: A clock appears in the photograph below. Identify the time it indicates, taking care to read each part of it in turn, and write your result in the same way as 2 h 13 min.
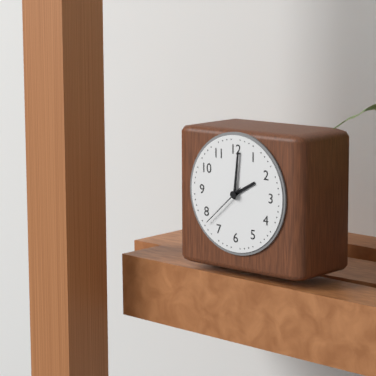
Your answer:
2 h 01 min
